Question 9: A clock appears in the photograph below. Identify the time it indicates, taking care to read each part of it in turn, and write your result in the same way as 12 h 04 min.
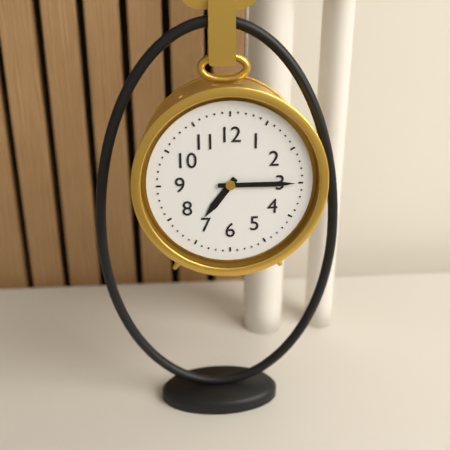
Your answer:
7 h 15 min
